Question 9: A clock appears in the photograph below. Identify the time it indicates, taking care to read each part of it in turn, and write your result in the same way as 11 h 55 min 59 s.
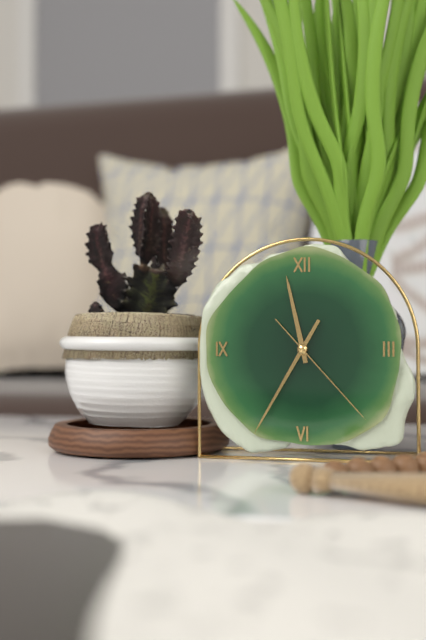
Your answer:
11 h 35 min 23 s
